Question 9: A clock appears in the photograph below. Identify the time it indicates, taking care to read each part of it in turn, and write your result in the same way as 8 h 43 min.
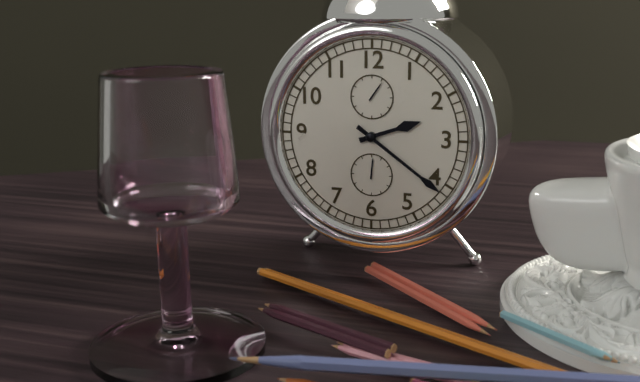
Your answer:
2 h 21 min
